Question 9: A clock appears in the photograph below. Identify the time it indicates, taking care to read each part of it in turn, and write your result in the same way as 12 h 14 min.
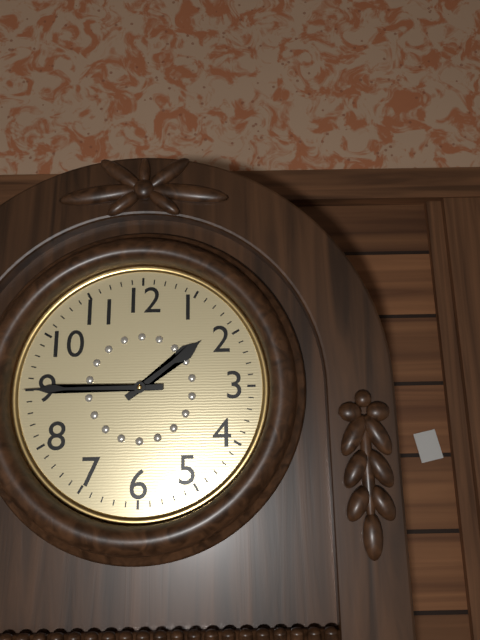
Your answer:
1 h 45 min
